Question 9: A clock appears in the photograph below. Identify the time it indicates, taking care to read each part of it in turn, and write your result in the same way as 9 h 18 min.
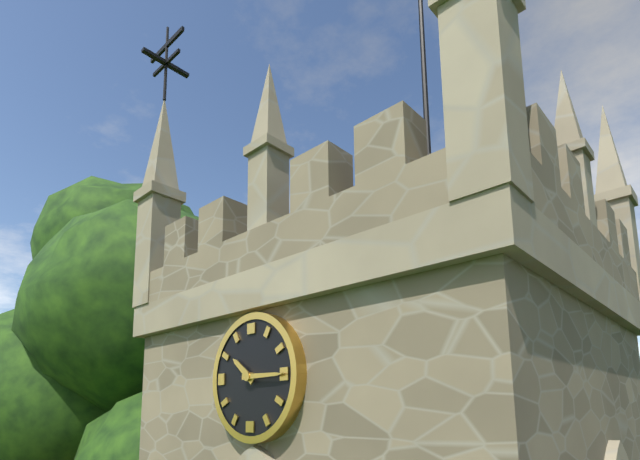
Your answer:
10 h 15 min
